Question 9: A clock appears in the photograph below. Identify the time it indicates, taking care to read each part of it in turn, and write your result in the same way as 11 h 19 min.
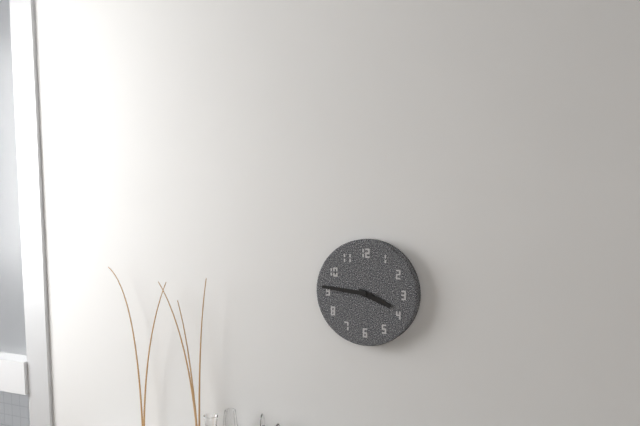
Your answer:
3 h 46 min
